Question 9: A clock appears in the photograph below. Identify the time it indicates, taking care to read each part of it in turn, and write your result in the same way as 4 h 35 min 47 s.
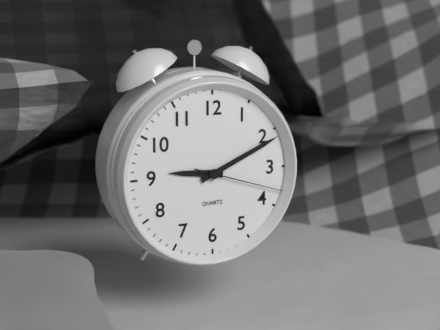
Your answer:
9 h 11 min 18 s
